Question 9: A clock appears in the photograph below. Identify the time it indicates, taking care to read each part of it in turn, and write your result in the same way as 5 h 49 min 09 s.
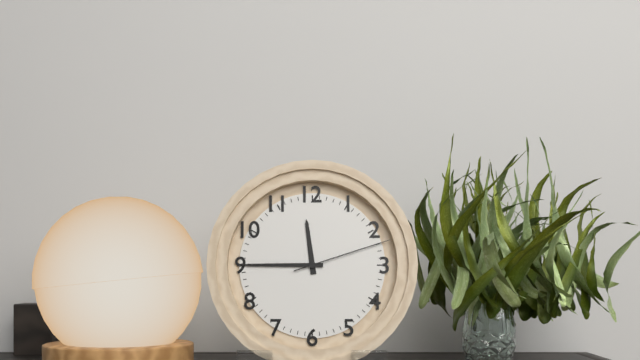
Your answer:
11 h 45 min 12 s
